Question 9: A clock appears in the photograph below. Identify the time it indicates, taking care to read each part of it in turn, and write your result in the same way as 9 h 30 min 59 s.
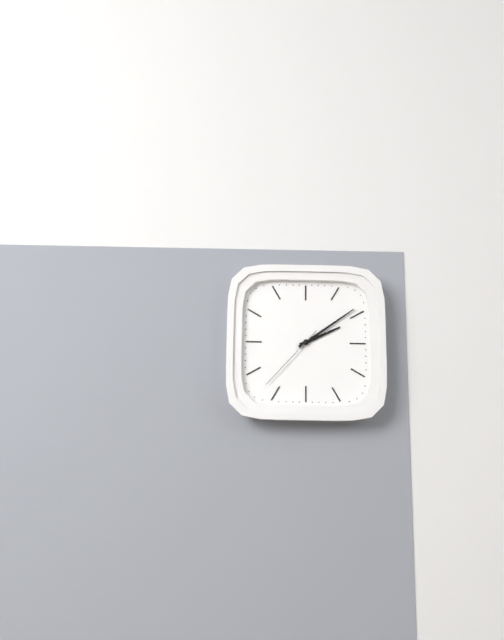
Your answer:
2 h 09 min 37 s
